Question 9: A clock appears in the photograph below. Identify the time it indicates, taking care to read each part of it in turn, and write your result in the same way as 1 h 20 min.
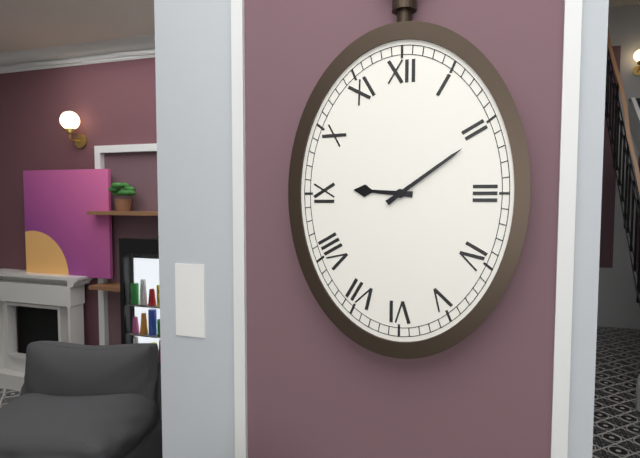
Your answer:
9 h 09 min
